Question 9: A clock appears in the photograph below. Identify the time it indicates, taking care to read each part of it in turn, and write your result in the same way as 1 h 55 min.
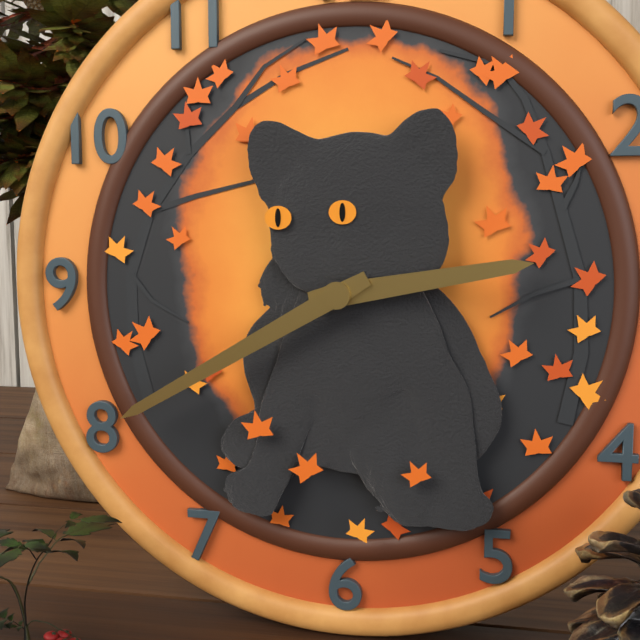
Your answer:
2 h 40 min
